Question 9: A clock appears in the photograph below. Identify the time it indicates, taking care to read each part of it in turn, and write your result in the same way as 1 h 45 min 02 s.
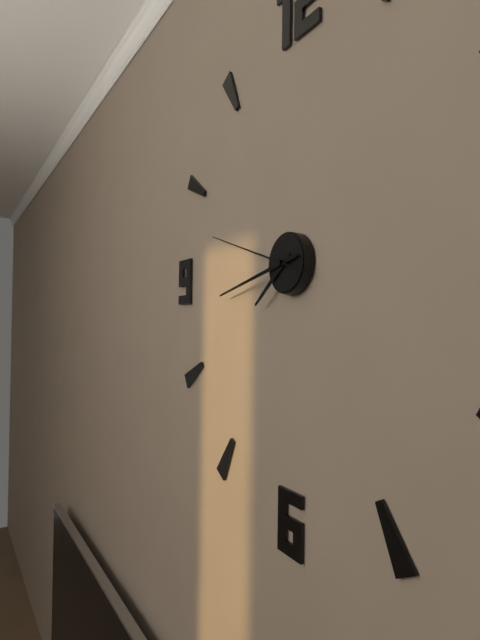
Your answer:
7 h 43 min 48 s
